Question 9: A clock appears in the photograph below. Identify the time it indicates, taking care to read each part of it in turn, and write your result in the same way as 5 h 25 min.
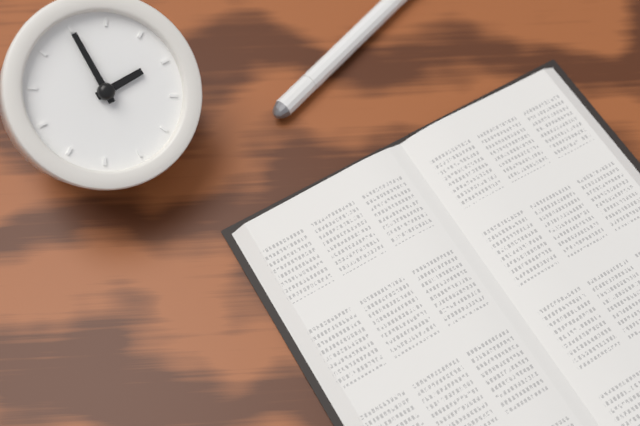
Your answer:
1 h 55 min
